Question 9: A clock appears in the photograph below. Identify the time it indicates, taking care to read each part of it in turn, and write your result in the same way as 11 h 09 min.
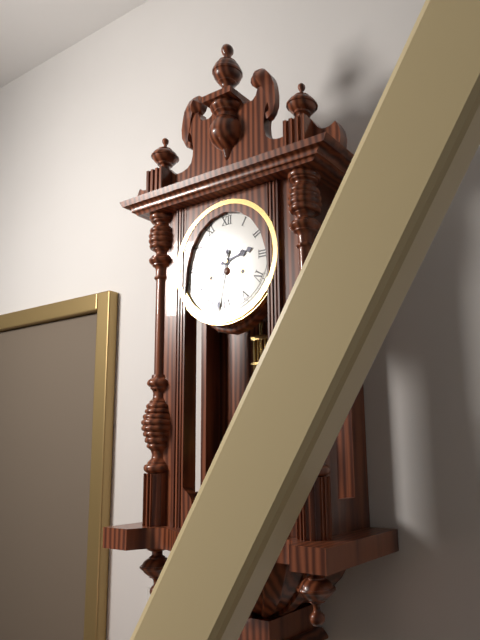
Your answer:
2 h 32 min
